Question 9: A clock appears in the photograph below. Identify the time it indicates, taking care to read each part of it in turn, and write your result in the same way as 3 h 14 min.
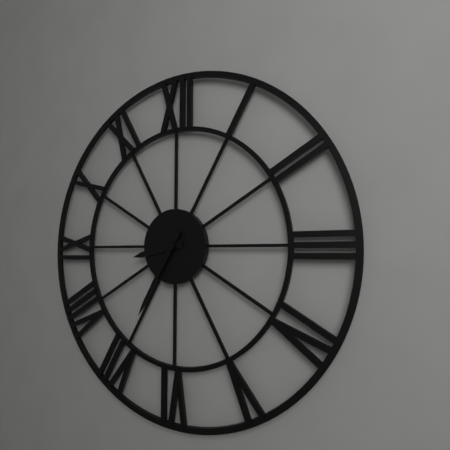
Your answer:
8 h 35 min
